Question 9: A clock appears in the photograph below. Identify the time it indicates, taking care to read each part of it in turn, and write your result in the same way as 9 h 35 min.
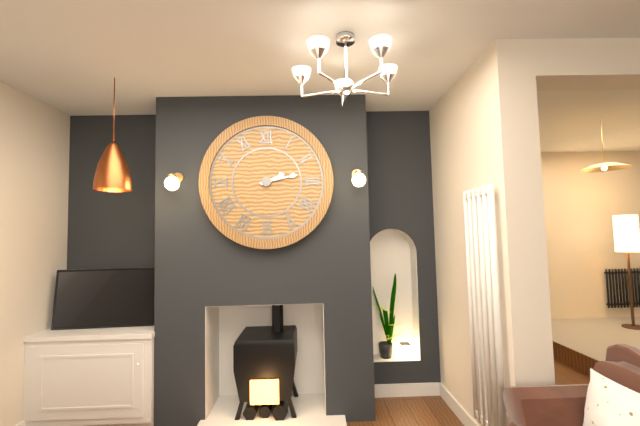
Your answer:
2 h 13 min
